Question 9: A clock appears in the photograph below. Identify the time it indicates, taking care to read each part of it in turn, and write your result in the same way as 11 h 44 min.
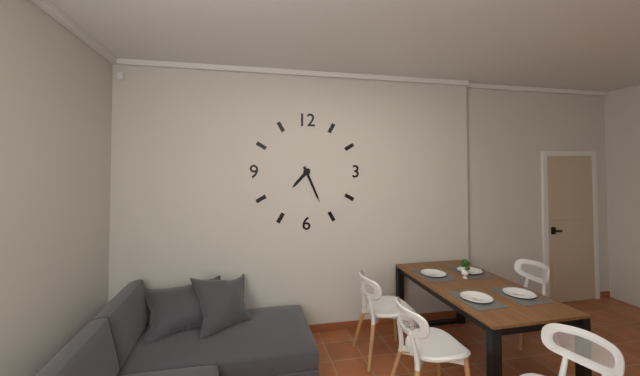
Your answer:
7 h 26 min
